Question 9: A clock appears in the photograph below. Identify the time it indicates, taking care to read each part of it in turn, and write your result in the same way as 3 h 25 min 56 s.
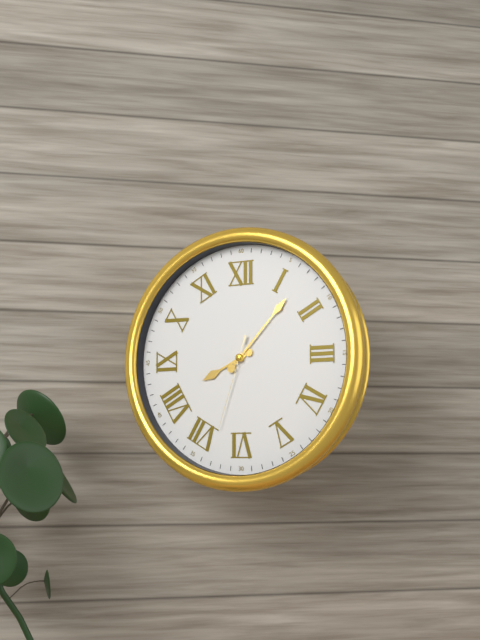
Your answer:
8 h 07 min 33 s
